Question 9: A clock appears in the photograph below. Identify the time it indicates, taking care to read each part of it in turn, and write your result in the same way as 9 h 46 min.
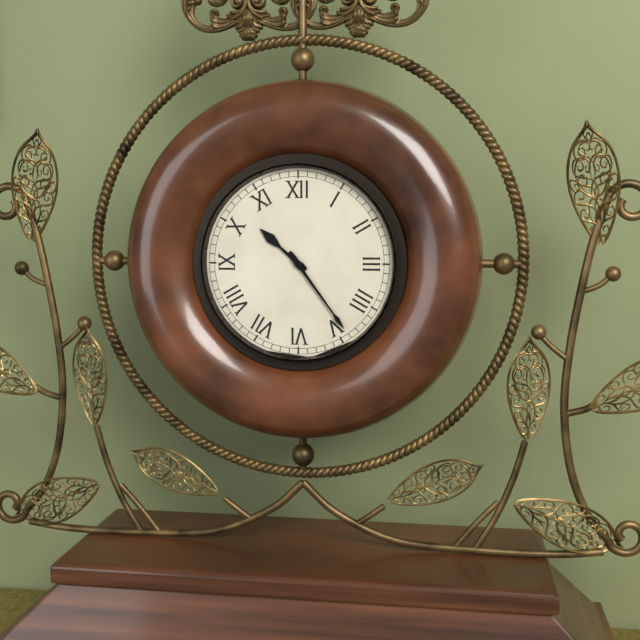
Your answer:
10 h 24 min
